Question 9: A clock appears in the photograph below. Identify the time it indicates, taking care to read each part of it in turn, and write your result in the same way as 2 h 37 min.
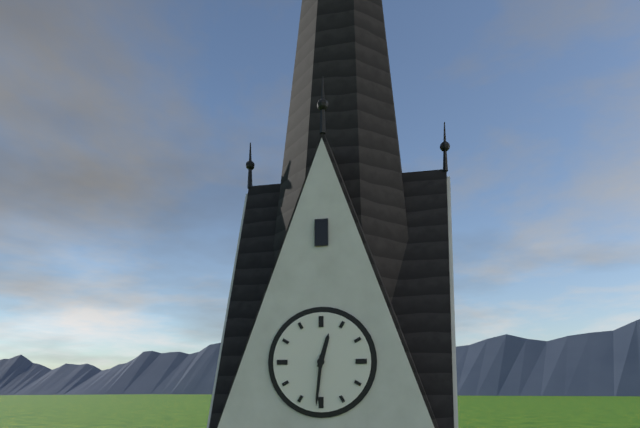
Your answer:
12 h 31 min
